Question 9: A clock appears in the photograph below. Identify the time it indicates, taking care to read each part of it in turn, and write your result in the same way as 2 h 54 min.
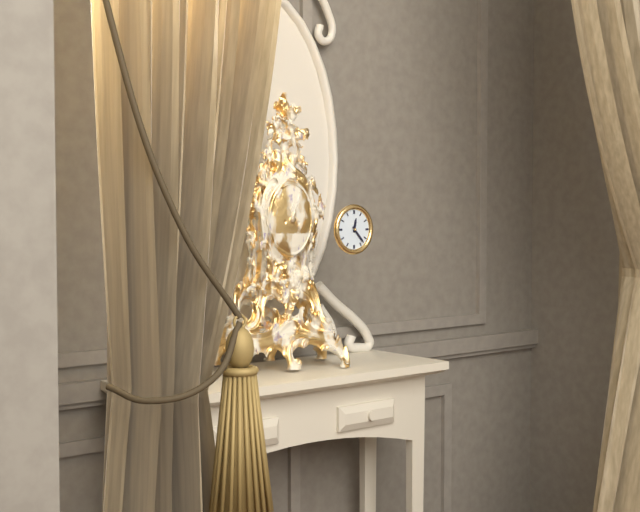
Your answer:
12 h 23 min
